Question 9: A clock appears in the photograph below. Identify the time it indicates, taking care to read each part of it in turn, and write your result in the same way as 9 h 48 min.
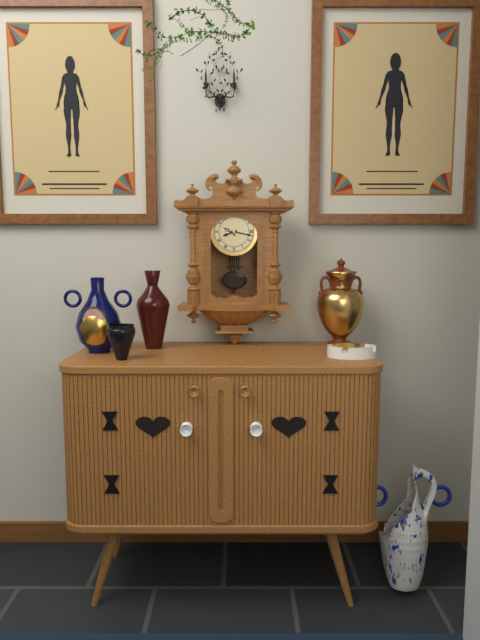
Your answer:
8 h 17 min
